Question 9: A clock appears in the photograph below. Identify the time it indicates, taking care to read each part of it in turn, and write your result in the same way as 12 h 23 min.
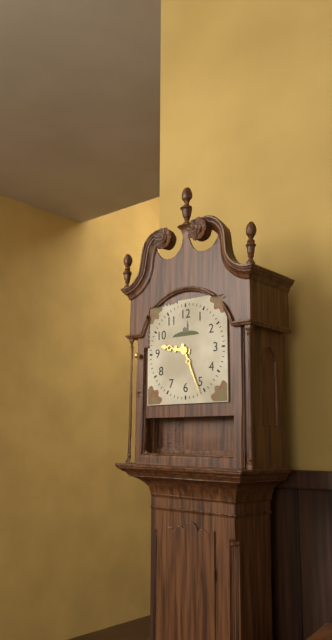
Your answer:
9 h 26 min
